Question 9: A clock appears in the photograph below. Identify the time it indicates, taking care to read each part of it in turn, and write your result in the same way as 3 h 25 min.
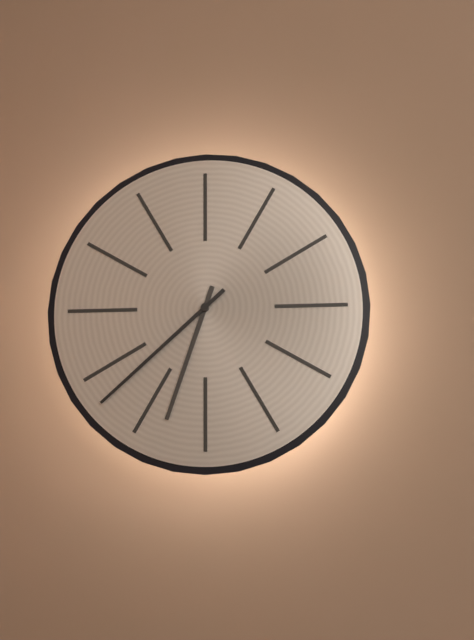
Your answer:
6 h 38 min
